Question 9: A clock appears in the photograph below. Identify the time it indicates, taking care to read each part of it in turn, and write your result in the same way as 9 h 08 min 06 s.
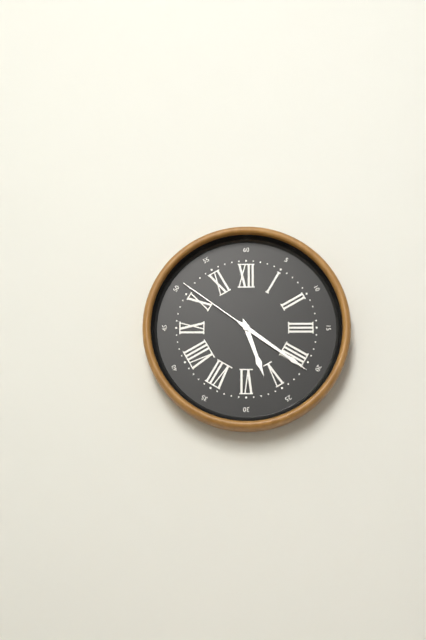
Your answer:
5 h 21 min 51 s
